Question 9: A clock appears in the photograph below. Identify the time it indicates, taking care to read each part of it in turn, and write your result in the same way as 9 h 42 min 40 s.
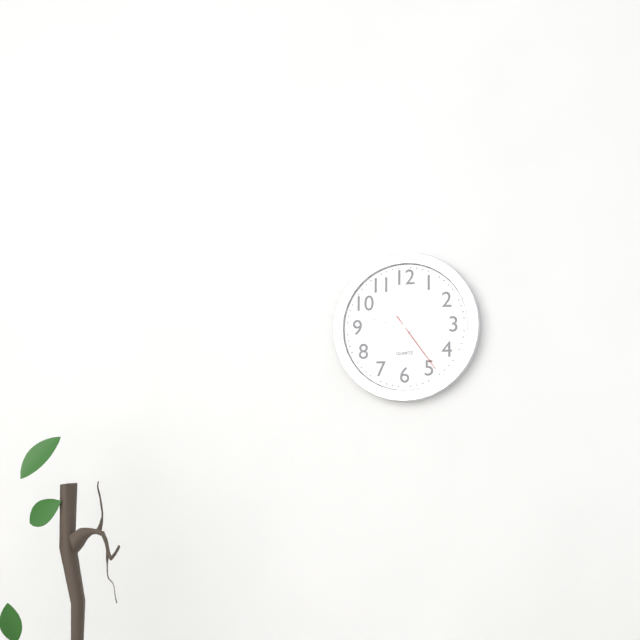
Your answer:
10 h 48 min 24 s
